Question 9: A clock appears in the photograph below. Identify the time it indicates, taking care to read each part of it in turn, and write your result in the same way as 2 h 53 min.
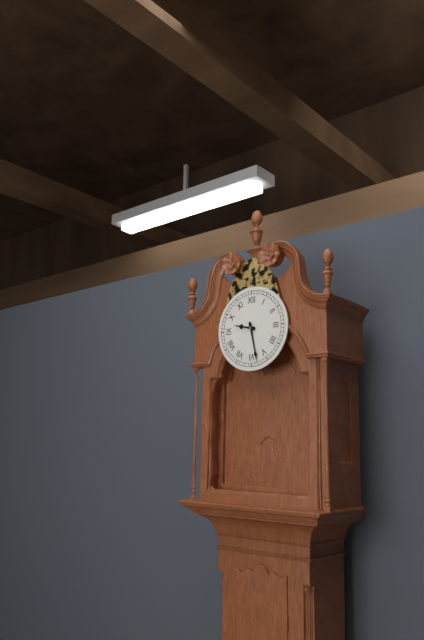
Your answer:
9 h 28 min
